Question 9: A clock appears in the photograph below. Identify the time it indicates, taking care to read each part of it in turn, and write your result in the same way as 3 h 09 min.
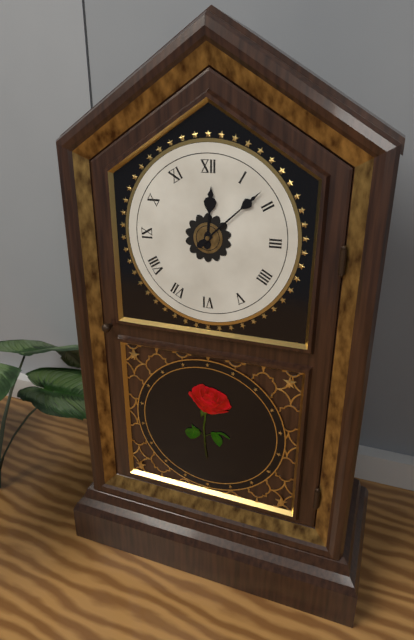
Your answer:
12 h 08 min
